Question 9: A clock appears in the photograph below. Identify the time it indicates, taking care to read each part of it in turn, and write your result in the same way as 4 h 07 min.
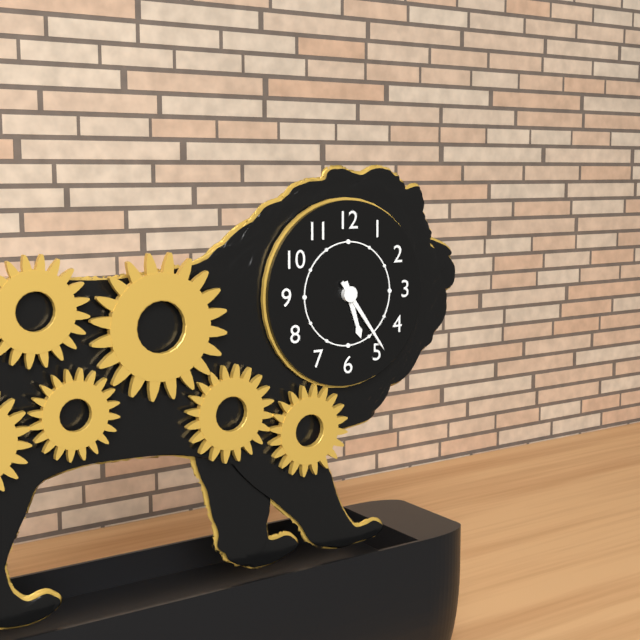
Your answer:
5 h 24 min
